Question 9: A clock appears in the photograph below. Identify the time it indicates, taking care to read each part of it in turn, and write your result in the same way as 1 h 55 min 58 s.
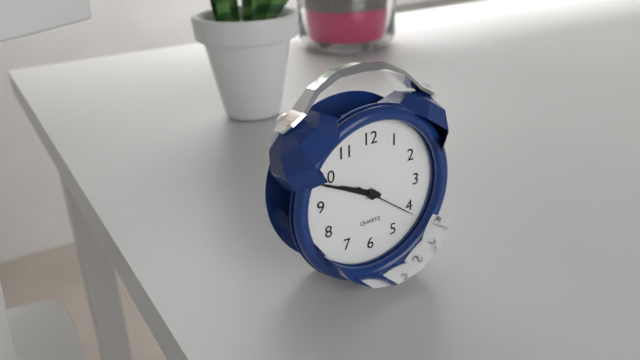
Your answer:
9 h 49 min 21 s
